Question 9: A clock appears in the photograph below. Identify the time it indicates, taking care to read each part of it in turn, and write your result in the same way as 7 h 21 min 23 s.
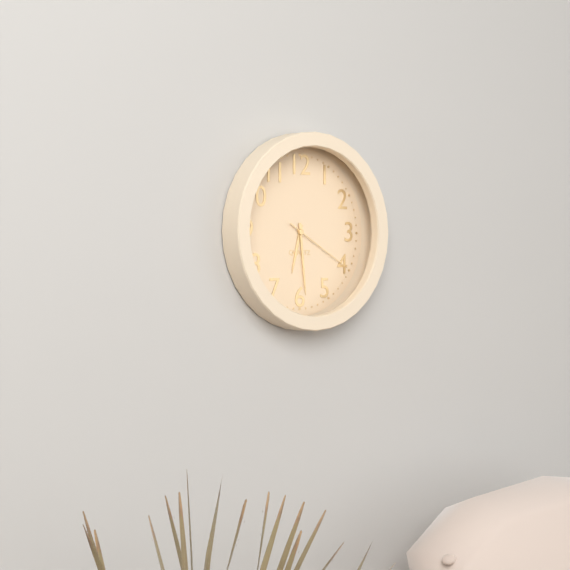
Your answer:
6 h 29 min 20 s
